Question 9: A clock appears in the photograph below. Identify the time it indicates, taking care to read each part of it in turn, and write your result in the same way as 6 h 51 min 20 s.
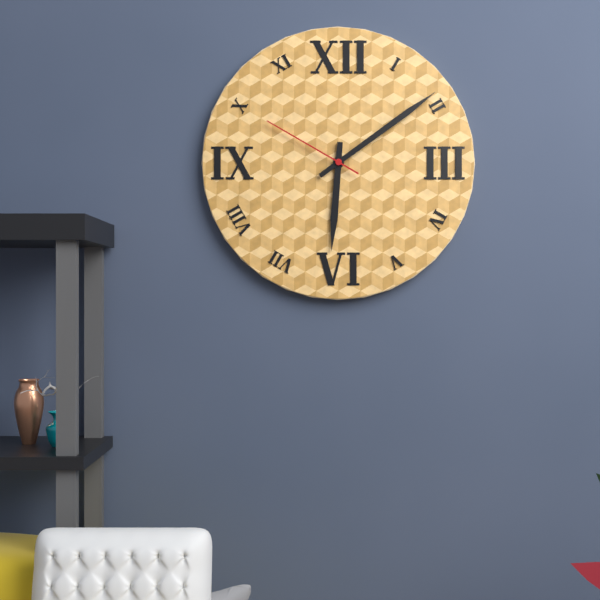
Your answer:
6 h 09 min 50 s
